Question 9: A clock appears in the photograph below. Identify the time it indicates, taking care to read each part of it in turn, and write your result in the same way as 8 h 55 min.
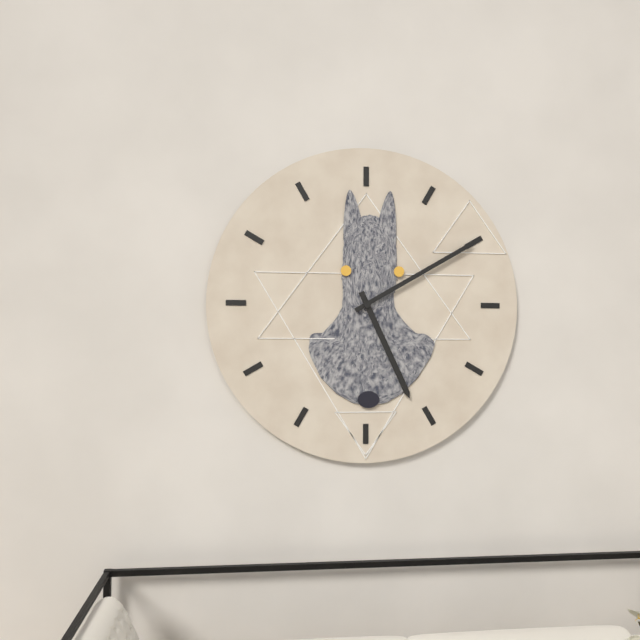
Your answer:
5 h 10 min
